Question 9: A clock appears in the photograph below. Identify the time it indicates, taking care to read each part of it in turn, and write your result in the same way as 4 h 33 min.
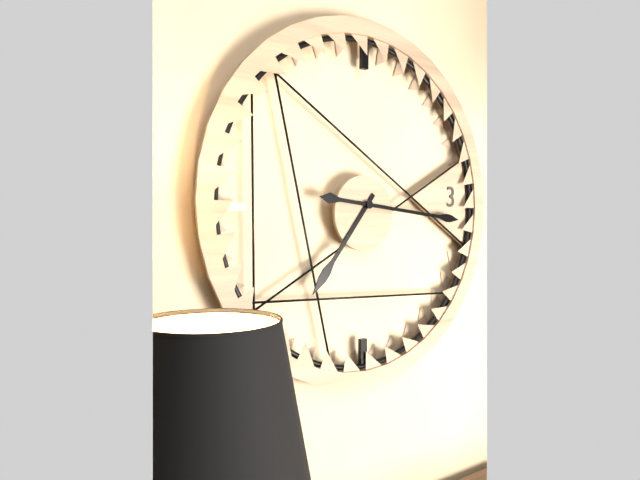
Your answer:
7 h 16 min
